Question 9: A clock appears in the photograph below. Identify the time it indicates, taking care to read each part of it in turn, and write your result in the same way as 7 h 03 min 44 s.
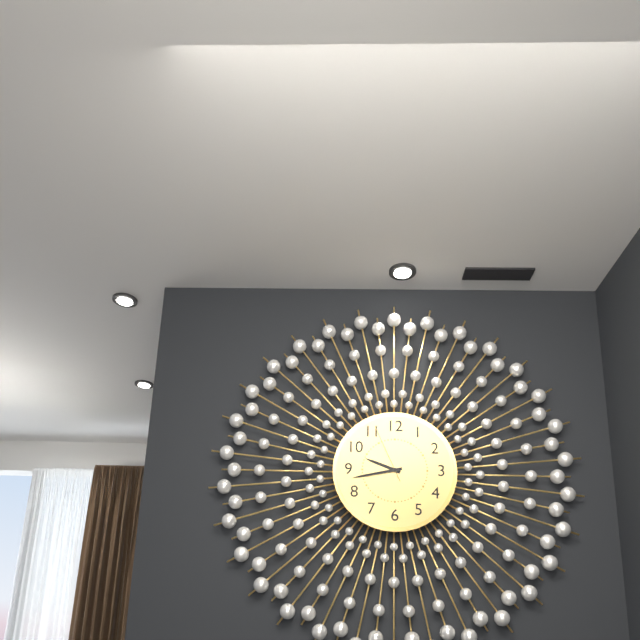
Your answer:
9 h 43 min 56 s
